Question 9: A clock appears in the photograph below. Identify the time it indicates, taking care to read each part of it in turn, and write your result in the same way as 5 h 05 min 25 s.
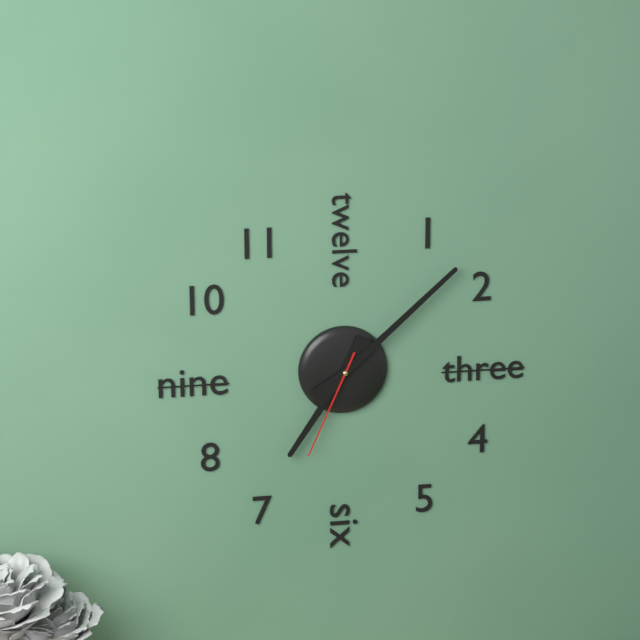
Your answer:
7 h 08 min 34 s
